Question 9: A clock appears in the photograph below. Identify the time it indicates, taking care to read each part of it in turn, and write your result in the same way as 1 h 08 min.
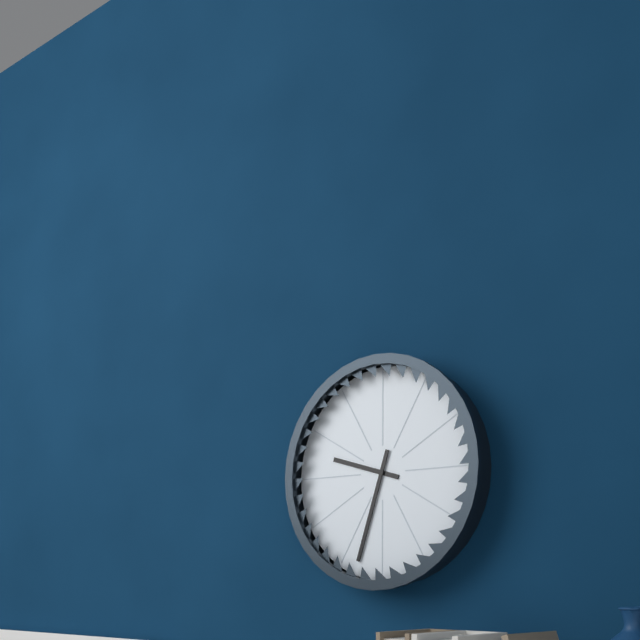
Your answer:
9 h 33 min
